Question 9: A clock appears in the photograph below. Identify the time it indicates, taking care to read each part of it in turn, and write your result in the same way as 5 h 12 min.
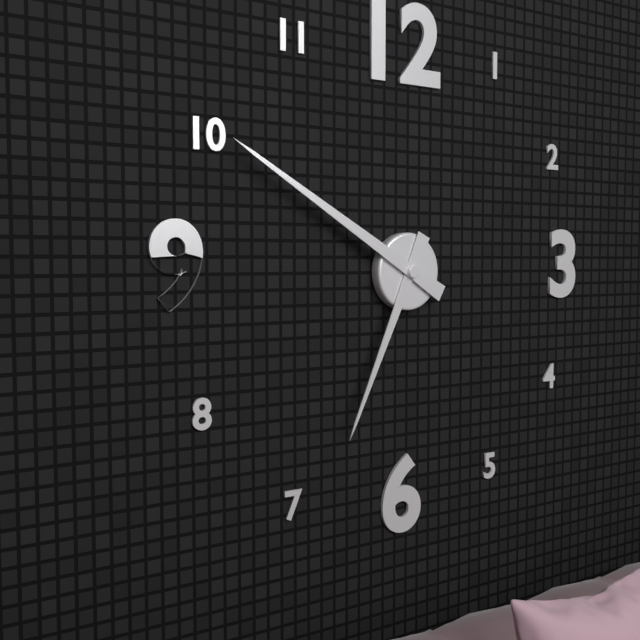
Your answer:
6 h 50 min
